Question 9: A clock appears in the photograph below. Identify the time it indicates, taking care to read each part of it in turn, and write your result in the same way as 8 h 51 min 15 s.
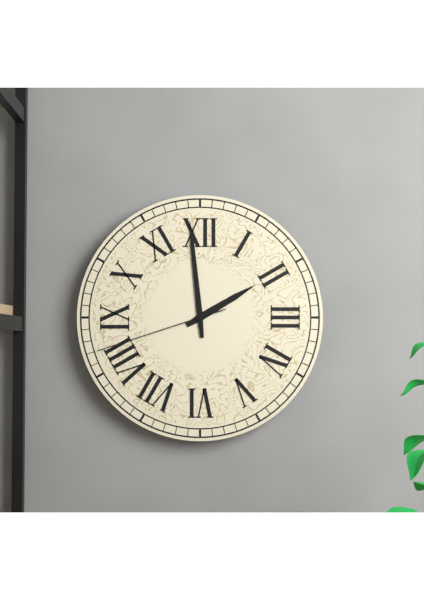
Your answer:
1 h 59 min 42 s
